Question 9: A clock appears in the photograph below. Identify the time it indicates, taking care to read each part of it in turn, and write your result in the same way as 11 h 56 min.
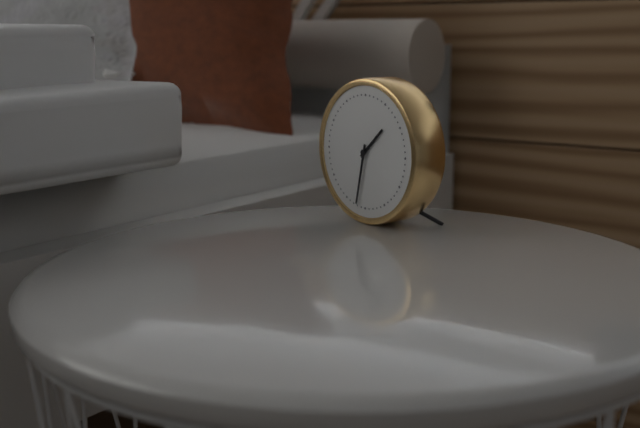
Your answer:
1 h 32 min
